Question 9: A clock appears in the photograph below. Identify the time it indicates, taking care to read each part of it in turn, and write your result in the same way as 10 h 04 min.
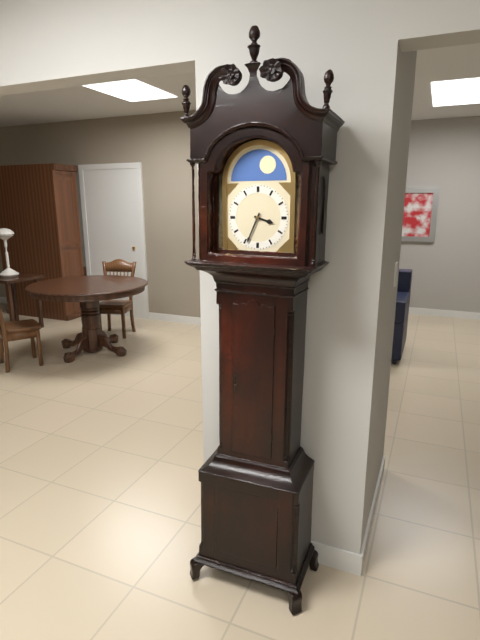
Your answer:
3 h 34 min
